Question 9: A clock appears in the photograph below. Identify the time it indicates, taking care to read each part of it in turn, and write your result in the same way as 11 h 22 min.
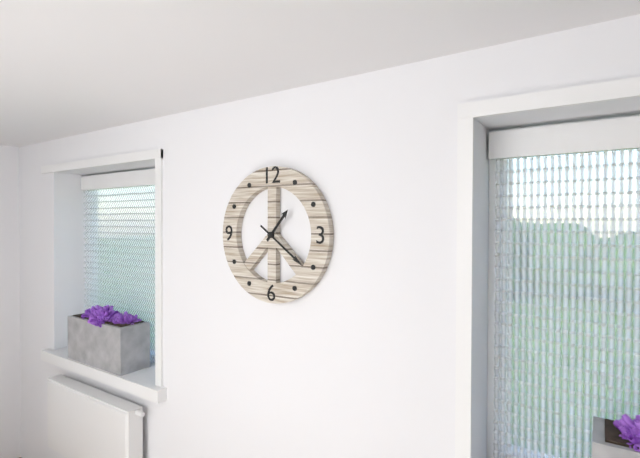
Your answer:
1 h 21 min
